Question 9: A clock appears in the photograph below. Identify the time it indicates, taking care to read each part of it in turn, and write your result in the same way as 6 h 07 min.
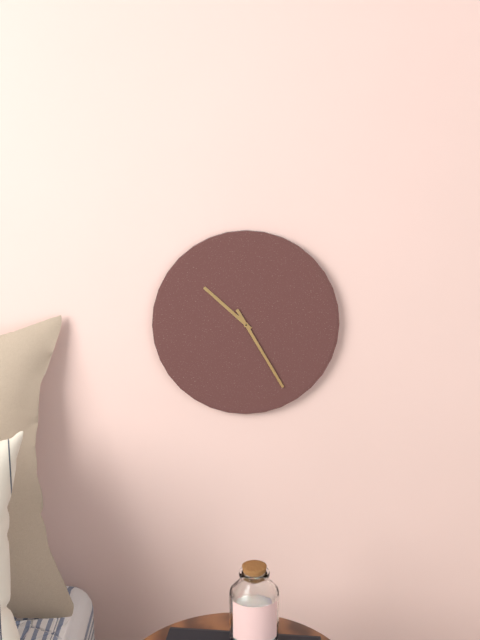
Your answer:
10 h 25 min
